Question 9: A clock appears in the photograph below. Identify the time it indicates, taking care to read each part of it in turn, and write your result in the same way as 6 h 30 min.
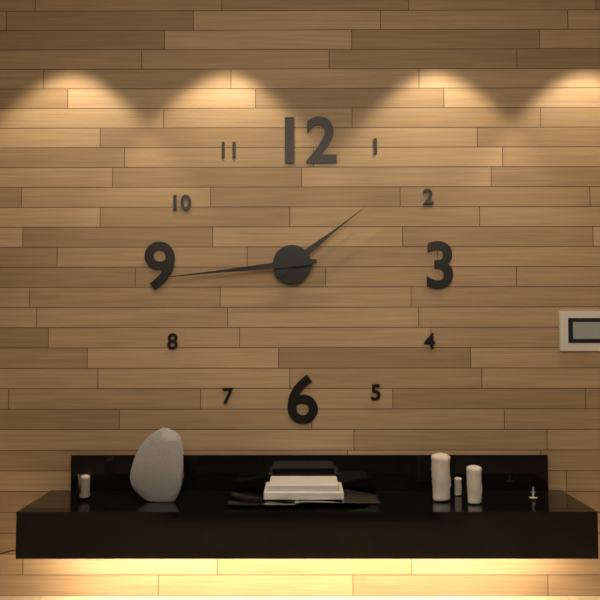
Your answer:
1 h 44 min
